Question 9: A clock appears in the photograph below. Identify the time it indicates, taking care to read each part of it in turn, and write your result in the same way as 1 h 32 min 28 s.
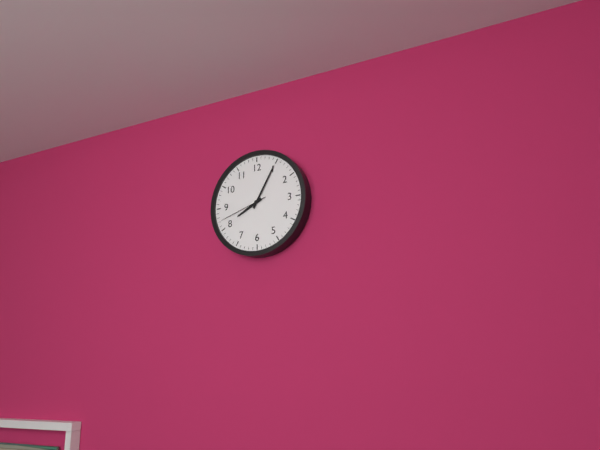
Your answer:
8 h 05 min 42 s
